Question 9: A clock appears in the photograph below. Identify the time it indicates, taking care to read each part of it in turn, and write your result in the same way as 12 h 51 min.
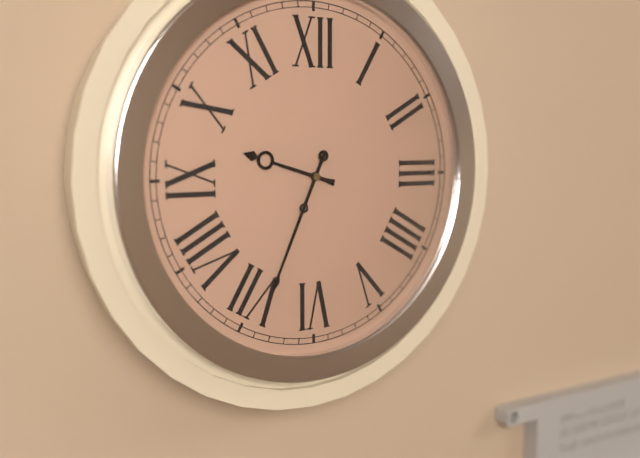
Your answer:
9 h 34 min
